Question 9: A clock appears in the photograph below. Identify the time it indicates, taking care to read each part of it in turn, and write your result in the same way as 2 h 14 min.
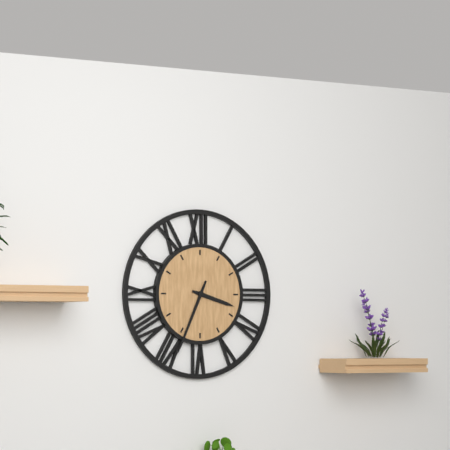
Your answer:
3 h 34 min
